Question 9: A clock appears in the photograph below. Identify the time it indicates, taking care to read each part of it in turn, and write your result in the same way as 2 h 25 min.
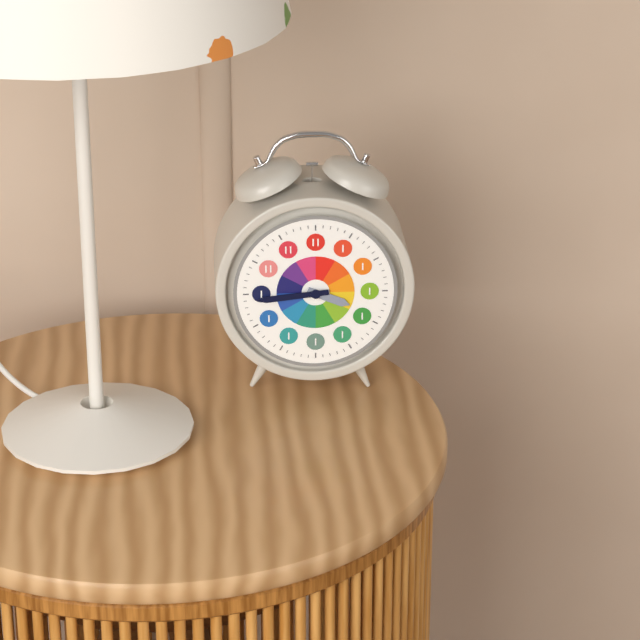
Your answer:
3 h 44 min
